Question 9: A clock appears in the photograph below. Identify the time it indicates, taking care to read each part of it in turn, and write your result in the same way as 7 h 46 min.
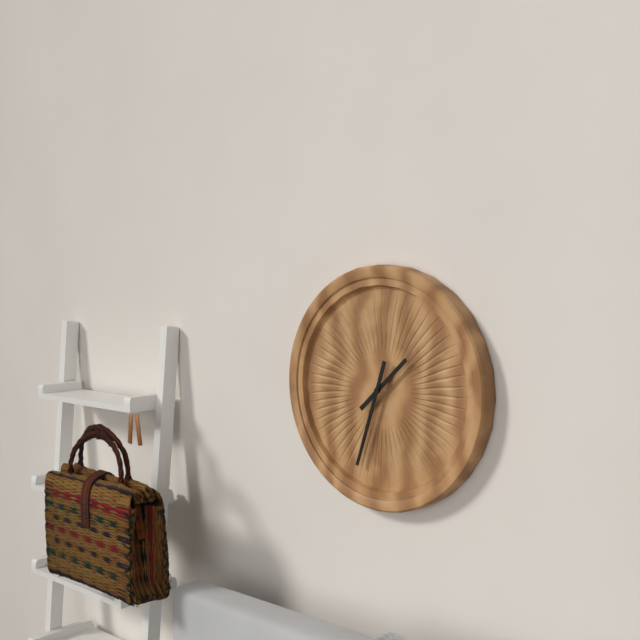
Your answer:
1 h 33 min
